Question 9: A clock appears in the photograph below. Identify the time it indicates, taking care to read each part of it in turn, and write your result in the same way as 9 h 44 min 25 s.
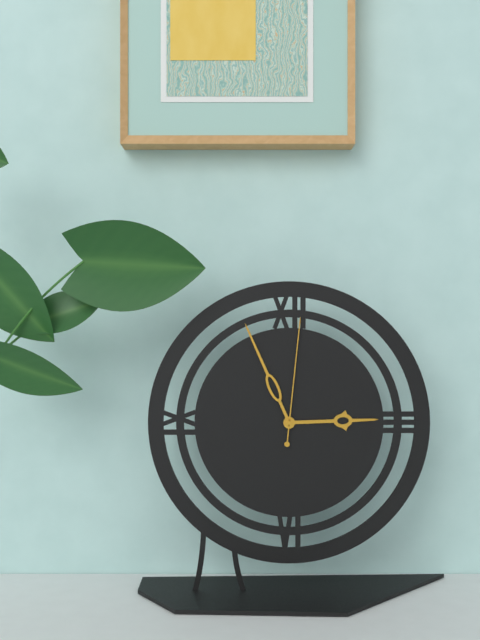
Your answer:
2 h 56 min 01 s
